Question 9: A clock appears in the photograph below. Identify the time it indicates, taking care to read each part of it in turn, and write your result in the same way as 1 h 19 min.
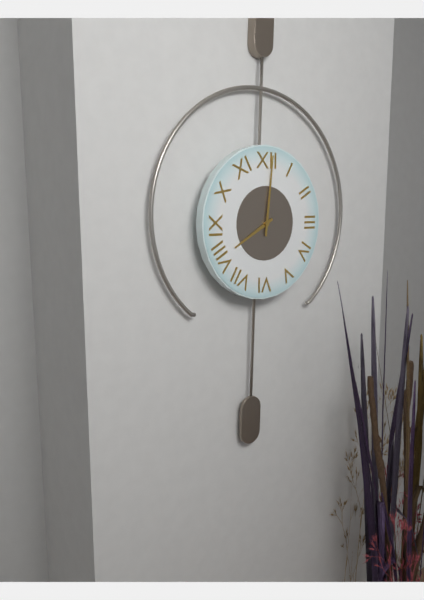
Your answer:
8 h 01 min
